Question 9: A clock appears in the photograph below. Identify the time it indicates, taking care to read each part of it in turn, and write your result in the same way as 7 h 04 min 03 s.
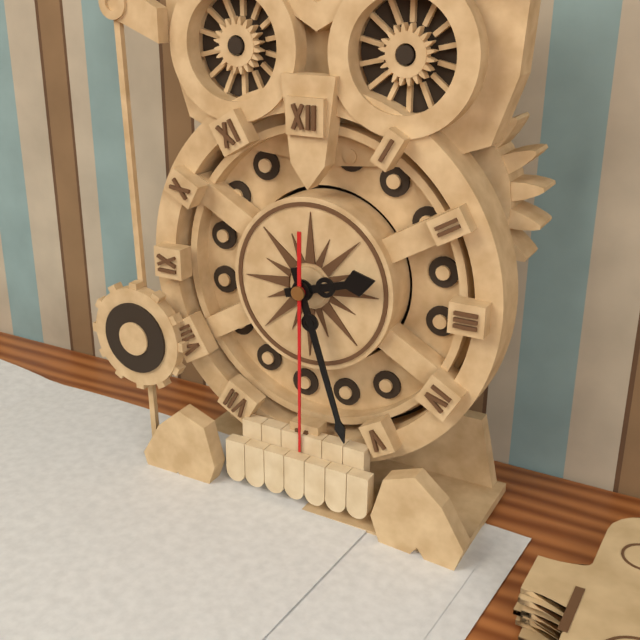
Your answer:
2 h 27 min 30 s
